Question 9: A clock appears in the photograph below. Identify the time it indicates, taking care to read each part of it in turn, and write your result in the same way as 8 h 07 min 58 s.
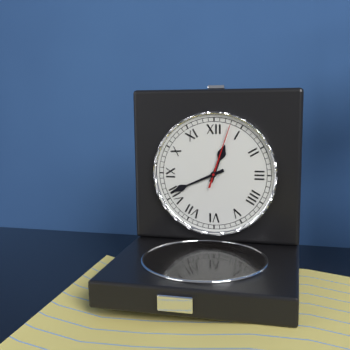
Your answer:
12 h 41 min 03 s
